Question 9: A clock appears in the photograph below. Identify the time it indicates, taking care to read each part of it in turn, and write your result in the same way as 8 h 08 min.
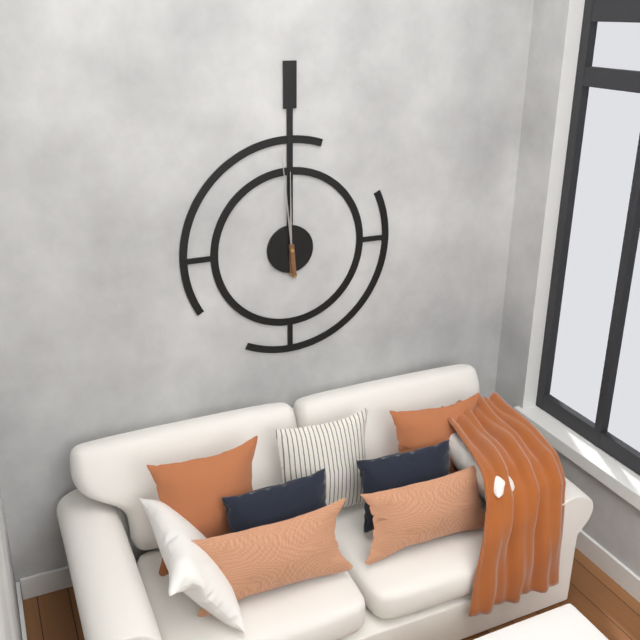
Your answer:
11 h 59 min
